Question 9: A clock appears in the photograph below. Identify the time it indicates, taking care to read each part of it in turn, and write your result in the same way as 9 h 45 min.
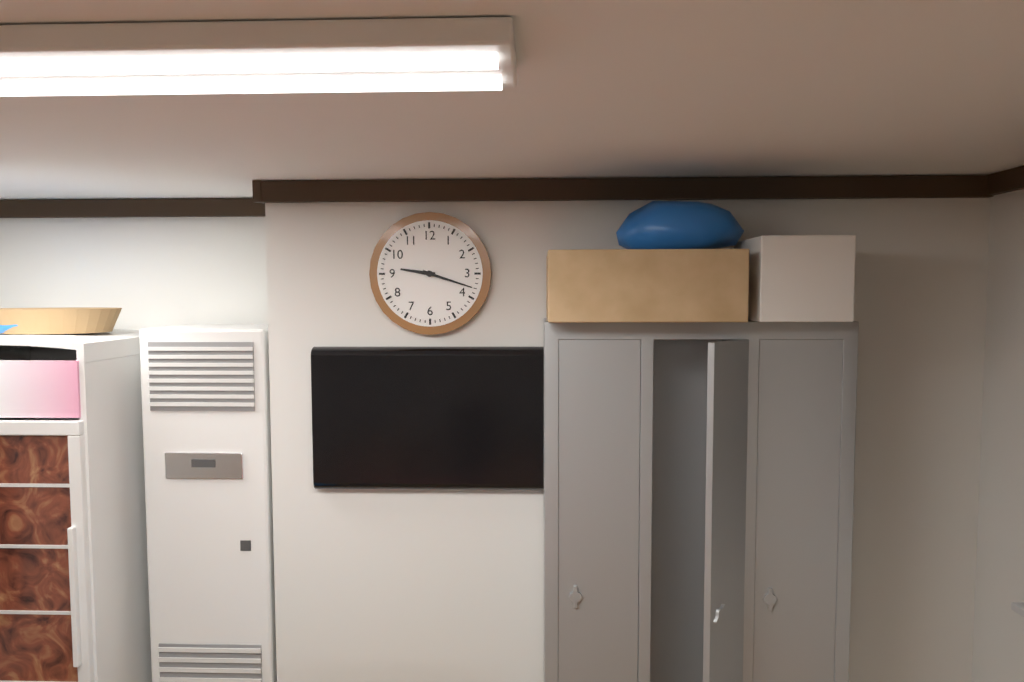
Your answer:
9 h 18 min
